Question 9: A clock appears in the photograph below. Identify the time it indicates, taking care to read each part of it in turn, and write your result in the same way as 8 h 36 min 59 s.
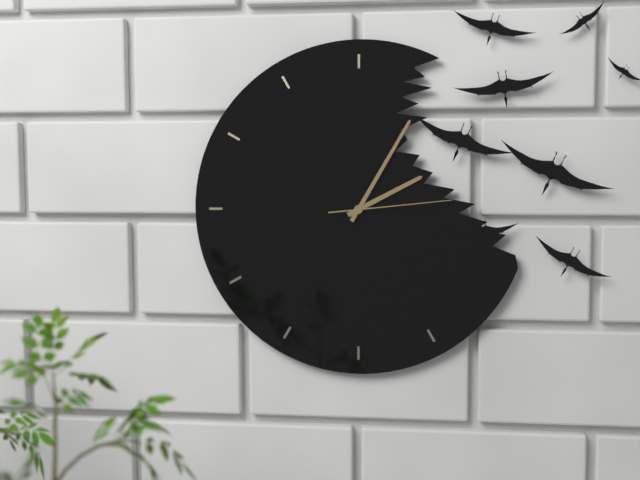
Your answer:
2 h 05 min 14 s
